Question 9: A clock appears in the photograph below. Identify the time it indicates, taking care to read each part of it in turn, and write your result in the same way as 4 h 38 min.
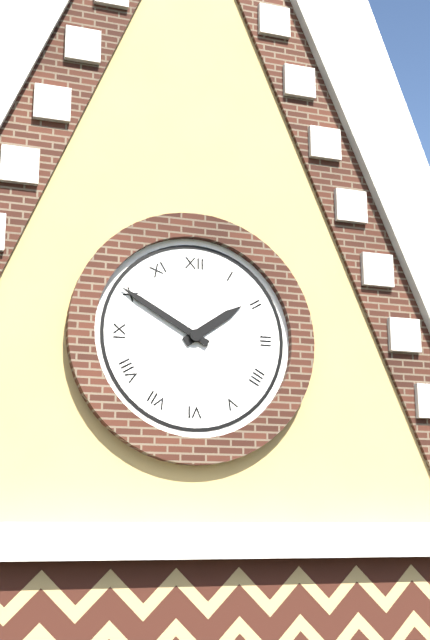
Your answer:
1 h 50 min
